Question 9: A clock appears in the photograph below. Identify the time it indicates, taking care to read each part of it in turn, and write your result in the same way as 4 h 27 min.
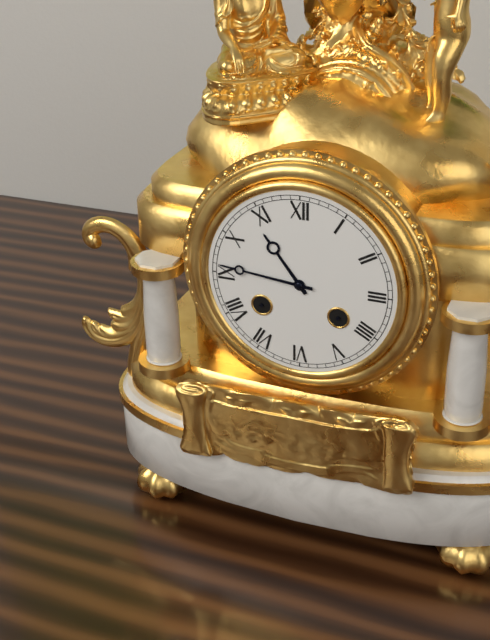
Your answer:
10 h 46 min
